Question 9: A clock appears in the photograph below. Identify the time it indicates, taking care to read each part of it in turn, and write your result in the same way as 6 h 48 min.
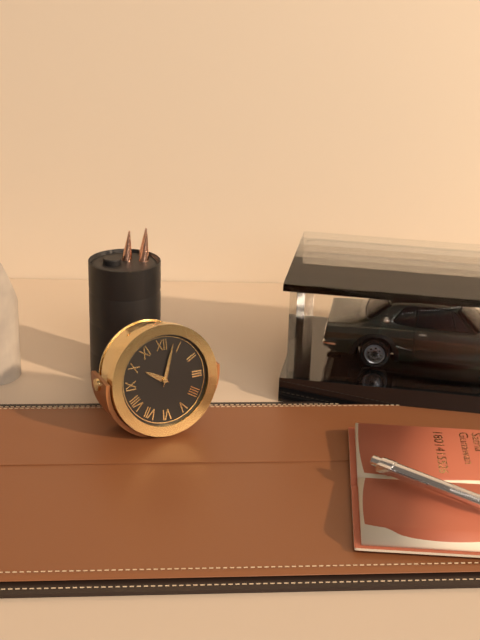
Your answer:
10 h 03 min
